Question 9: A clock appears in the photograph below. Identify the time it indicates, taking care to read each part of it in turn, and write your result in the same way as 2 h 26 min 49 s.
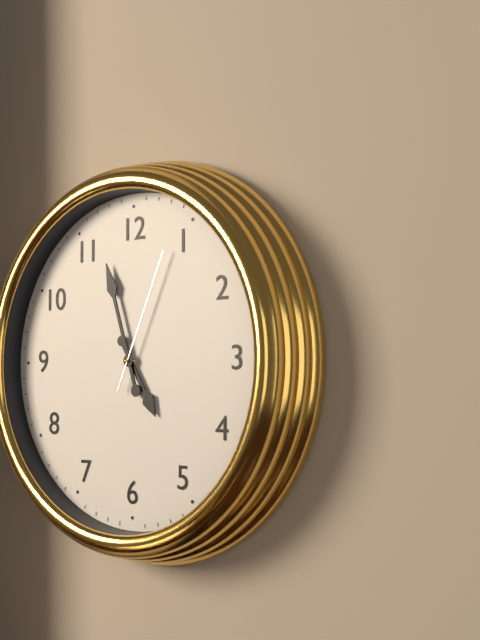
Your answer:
4 h 57 min 04 s
